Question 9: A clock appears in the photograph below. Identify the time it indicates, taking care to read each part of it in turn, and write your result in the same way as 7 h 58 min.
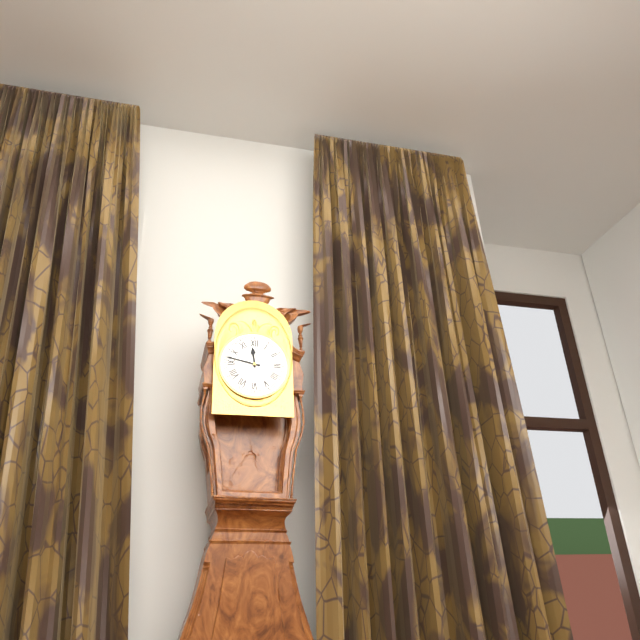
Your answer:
11 h 47 min
